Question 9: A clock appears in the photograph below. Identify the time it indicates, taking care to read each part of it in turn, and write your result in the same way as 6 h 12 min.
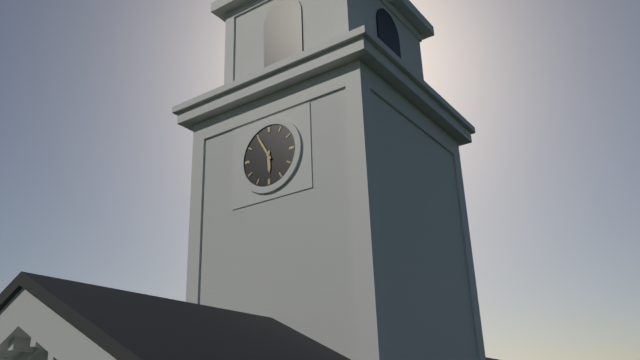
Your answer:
5 h 55 min
